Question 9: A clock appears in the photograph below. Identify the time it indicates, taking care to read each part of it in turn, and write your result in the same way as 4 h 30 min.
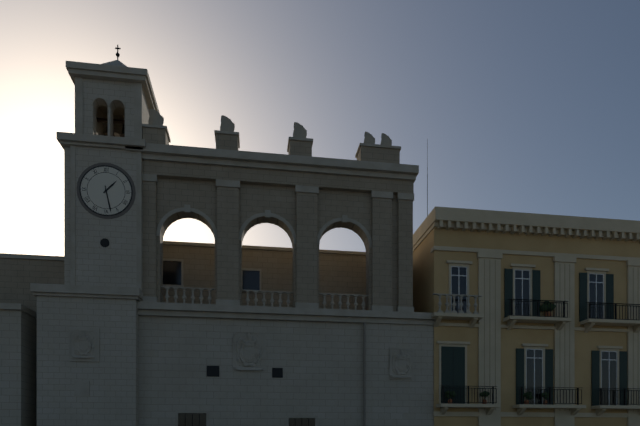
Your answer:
1 h 28 min
